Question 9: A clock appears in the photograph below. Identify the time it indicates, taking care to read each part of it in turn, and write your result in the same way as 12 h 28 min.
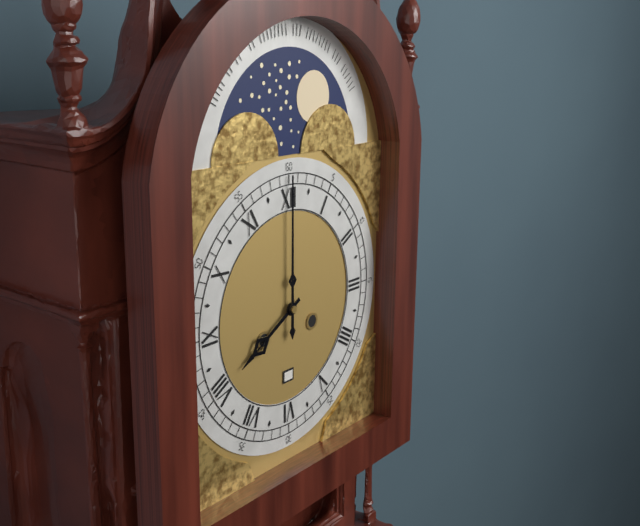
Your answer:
8 h 00 min
